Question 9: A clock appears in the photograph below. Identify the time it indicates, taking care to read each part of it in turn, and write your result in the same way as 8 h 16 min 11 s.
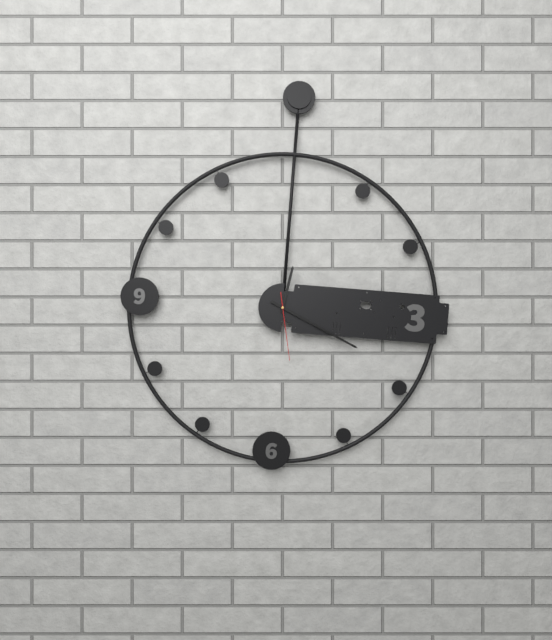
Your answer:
12 h 19 min 28 s
